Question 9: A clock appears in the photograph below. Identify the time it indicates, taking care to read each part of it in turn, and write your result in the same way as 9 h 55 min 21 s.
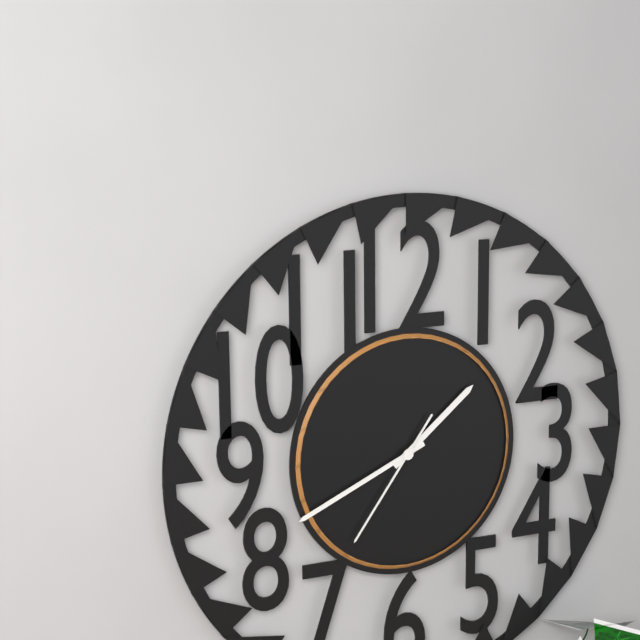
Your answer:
1 h 41 min 36 s
